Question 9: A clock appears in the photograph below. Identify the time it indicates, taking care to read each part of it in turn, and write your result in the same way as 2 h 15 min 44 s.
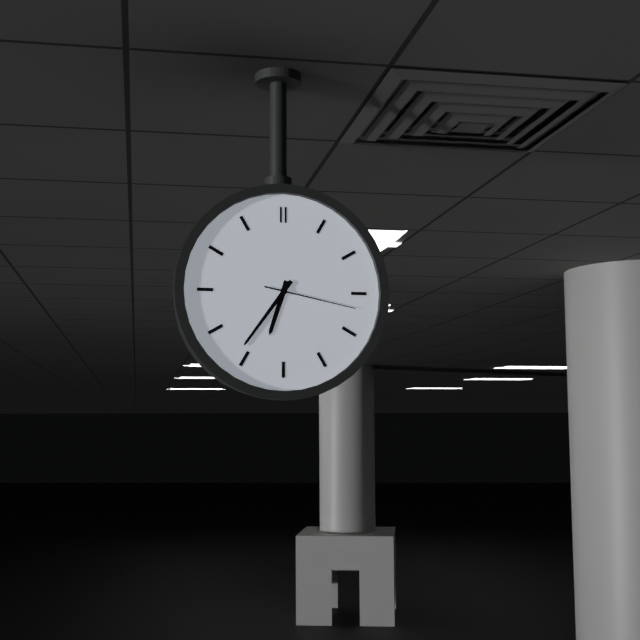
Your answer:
6 h 36 min 17 s
